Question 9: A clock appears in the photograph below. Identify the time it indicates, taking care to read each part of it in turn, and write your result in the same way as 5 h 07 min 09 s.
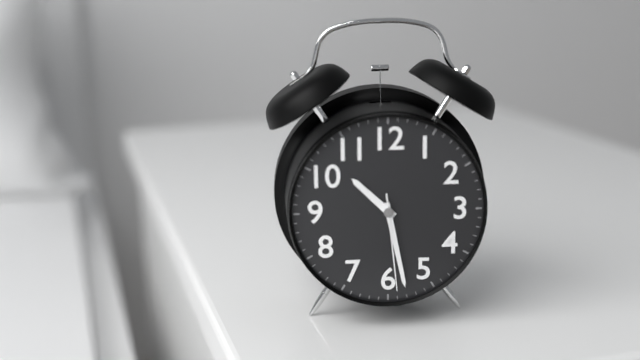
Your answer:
10 h 28 min 29 s
